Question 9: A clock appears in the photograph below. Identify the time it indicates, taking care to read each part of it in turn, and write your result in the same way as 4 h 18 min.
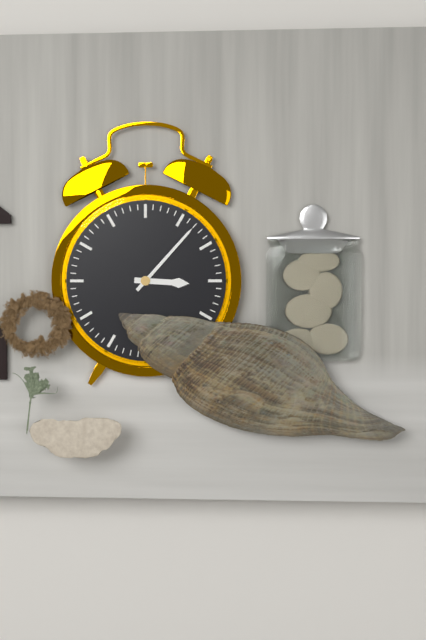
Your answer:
3 h 07 min
